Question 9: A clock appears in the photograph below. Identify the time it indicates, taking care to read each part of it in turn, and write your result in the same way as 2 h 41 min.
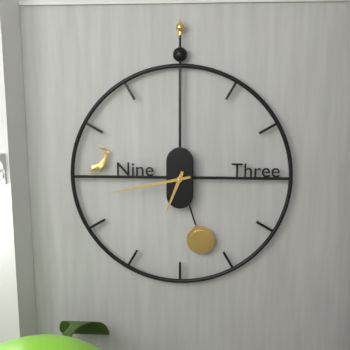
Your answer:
6 h 43 min
